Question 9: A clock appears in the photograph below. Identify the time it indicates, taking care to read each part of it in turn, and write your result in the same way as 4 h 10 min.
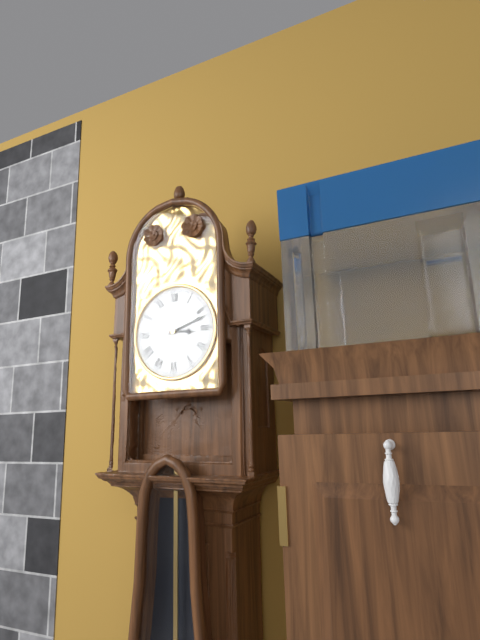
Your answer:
3 h 12 min
